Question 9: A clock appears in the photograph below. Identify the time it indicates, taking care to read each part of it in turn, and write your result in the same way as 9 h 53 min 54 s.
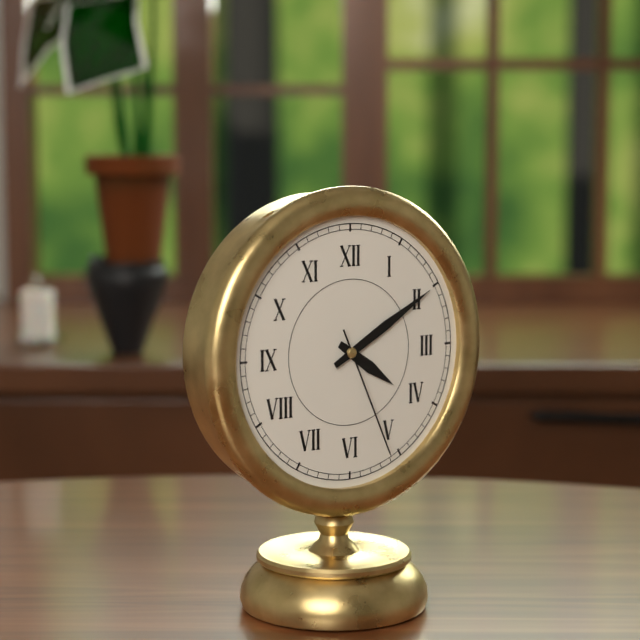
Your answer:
4 h 10 min 26 s
